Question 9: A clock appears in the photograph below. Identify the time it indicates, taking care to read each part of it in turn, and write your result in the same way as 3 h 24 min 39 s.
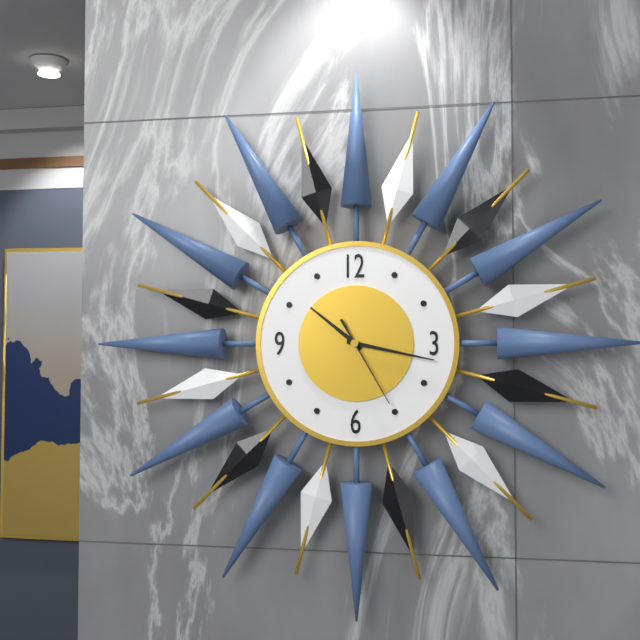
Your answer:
10 h 17 min 25 s
